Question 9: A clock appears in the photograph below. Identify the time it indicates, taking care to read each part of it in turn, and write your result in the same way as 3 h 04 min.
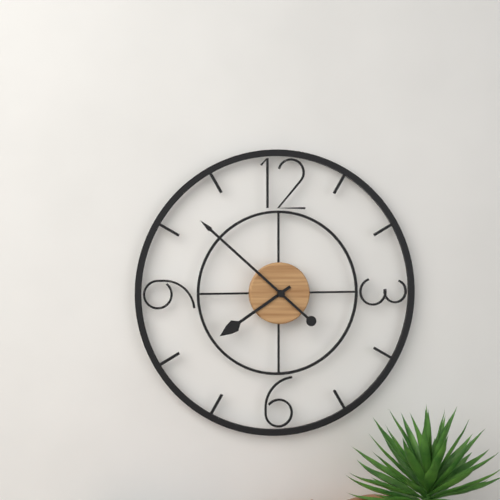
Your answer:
7 h 52 min
